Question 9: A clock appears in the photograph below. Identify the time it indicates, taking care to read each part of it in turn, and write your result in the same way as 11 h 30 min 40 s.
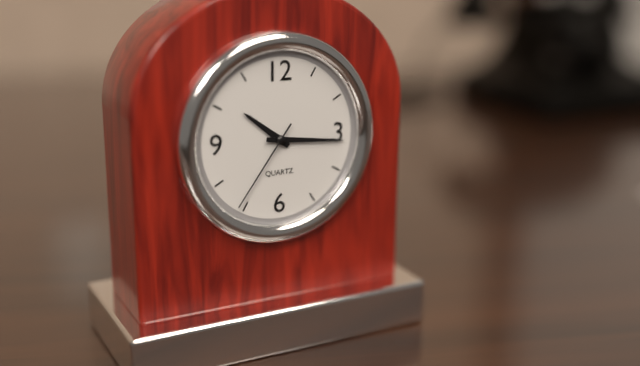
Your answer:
10 h 16 min 36 s
